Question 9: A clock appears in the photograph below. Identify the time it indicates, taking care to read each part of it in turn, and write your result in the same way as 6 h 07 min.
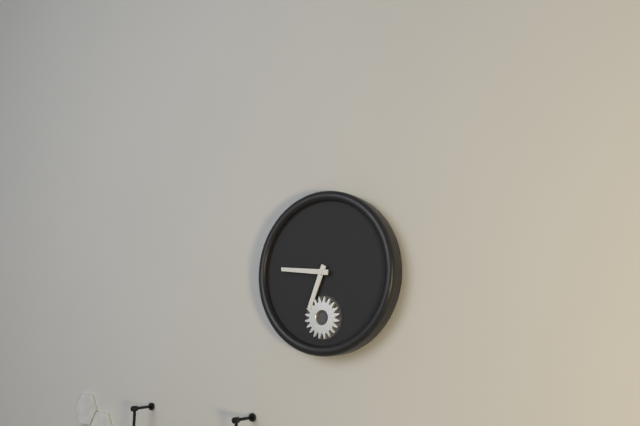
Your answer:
6 h 46 min
